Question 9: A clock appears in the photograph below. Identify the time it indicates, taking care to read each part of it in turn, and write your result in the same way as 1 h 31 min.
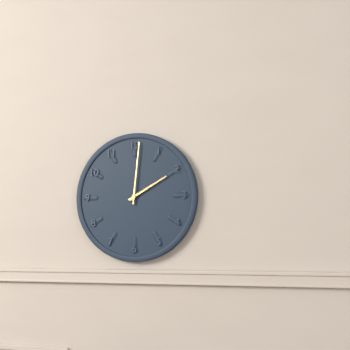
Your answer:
2 h 01 min
